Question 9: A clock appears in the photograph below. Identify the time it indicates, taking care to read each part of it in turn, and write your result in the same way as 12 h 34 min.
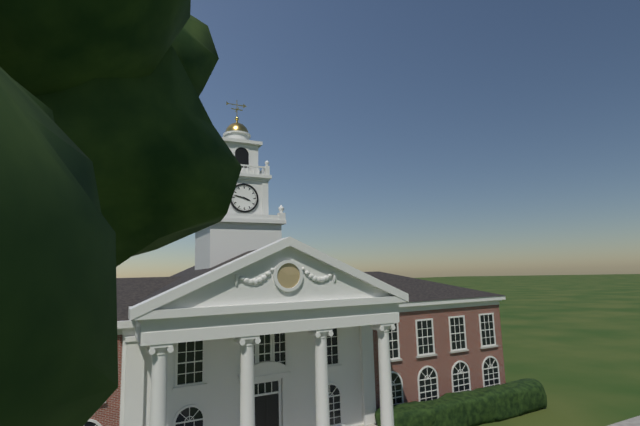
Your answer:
3 h 47 min
